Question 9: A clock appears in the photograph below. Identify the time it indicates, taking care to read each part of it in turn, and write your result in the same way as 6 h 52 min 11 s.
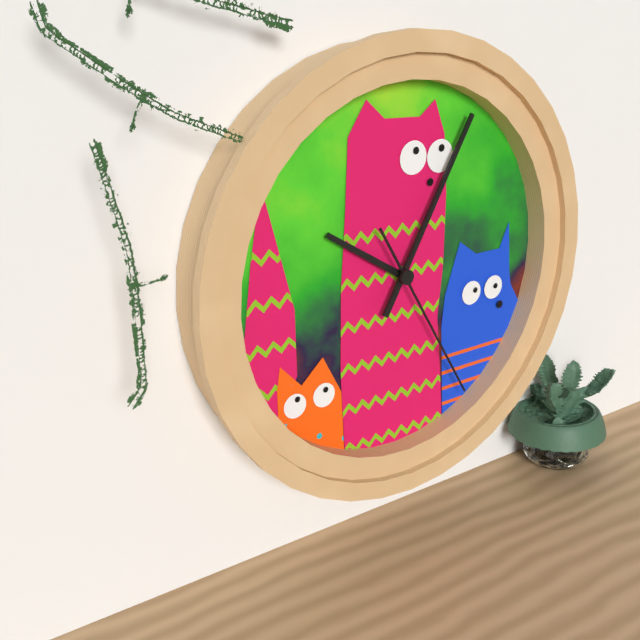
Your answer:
10 h 05 min 25 s
